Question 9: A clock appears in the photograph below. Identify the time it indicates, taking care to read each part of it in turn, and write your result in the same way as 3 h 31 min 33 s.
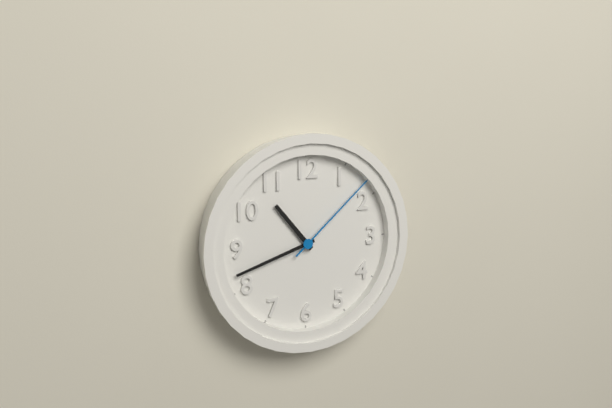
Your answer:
10 h 42 min 08 s
